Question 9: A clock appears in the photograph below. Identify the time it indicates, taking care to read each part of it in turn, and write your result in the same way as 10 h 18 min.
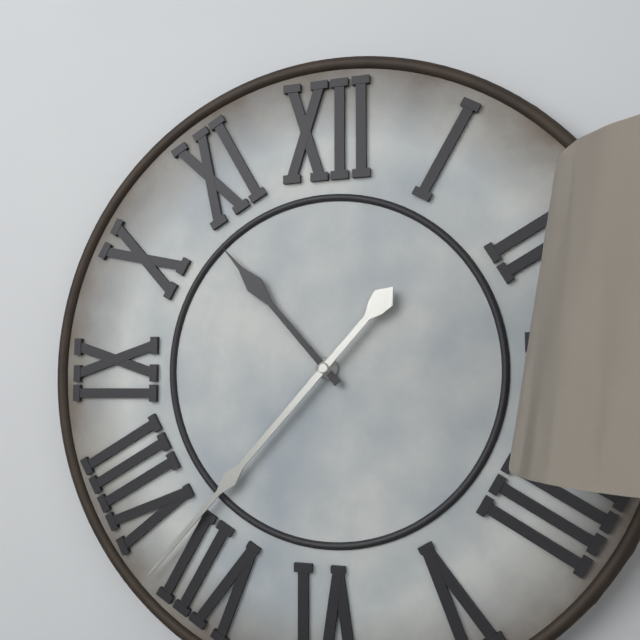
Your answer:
10 h 37 min
